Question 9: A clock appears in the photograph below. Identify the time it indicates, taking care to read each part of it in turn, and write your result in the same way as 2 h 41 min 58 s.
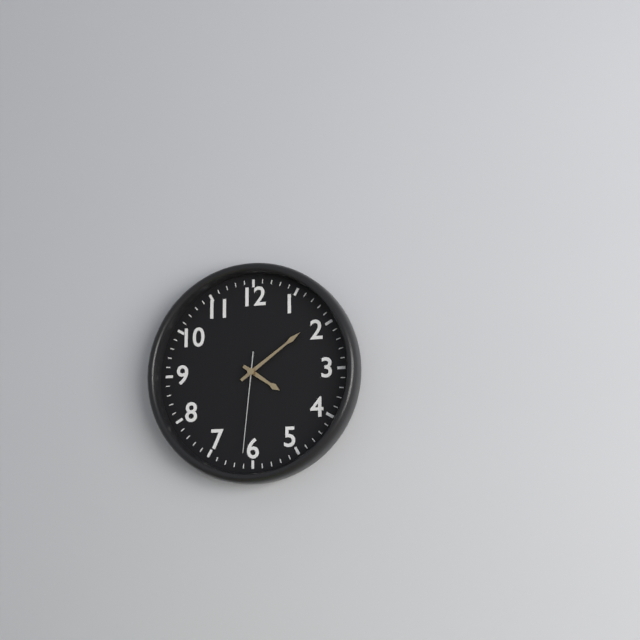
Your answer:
4 h 09 min 31 s
